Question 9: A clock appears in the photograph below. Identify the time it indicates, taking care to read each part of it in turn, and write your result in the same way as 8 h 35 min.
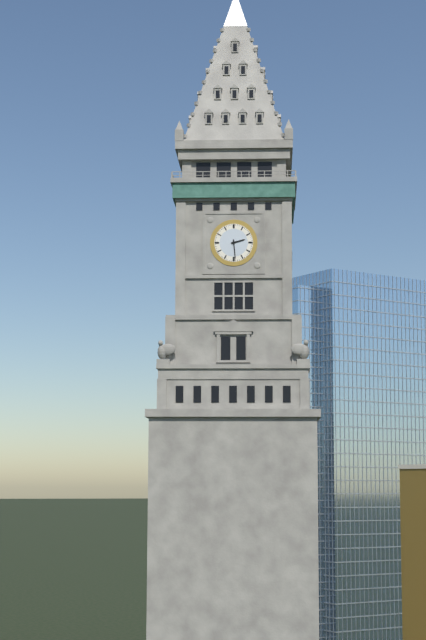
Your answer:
2 h 29 min
